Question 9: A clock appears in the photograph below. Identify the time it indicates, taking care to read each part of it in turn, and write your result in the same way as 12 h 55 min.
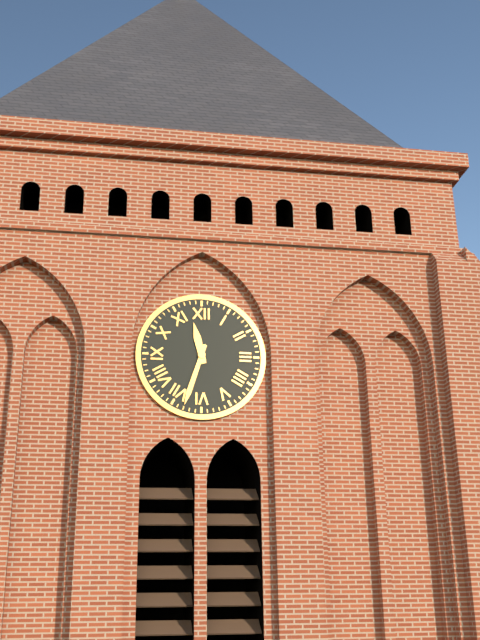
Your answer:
11 h 33 min
